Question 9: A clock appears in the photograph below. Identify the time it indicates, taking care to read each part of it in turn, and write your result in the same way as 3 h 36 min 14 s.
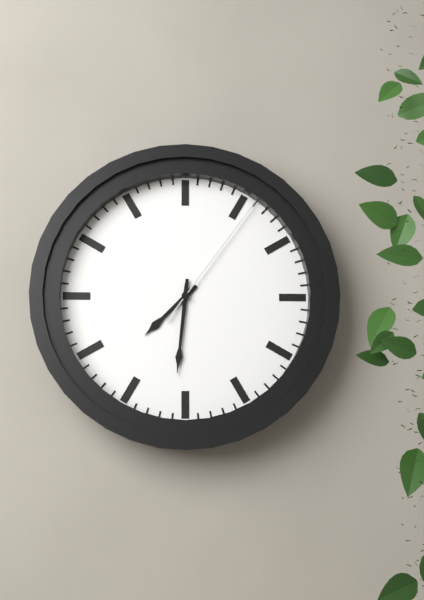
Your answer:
7 h 31 min 06 s
